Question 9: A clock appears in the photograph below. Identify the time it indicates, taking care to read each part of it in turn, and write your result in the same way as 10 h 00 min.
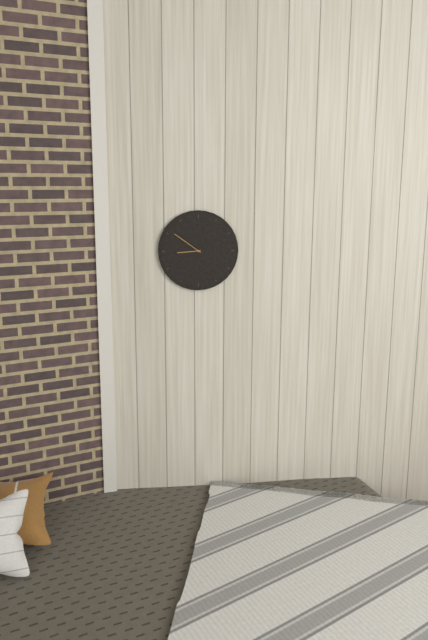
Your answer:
8 h 51 min
